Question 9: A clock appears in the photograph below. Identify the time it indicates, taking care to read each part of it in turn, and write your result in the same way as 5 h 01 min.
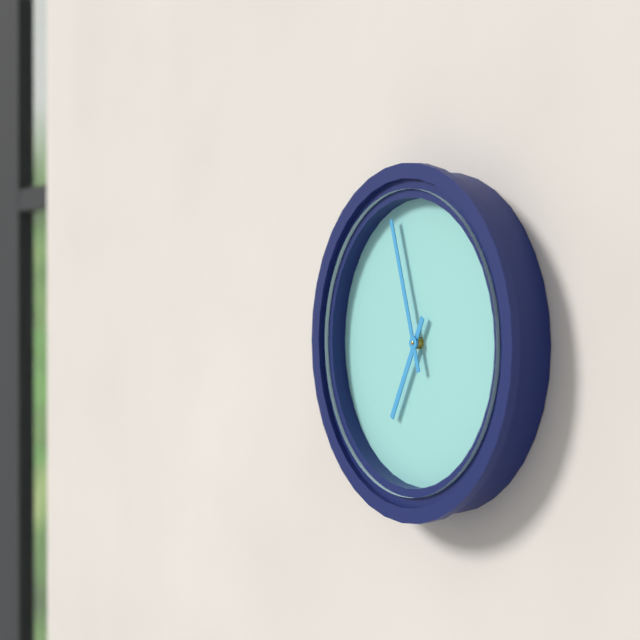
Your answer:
6 h 57 min
